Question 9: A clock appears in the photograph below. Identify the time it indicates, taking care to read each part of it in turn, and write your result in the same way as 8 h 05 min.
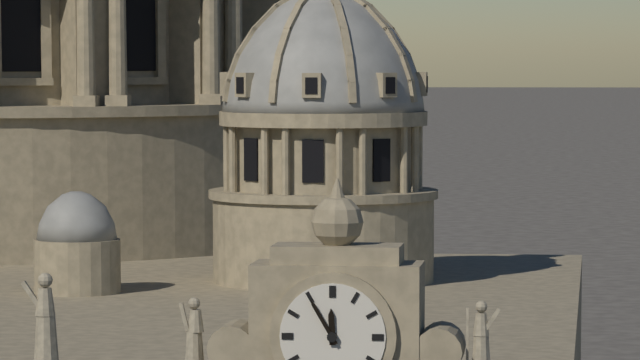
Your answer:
11 h 55 min
